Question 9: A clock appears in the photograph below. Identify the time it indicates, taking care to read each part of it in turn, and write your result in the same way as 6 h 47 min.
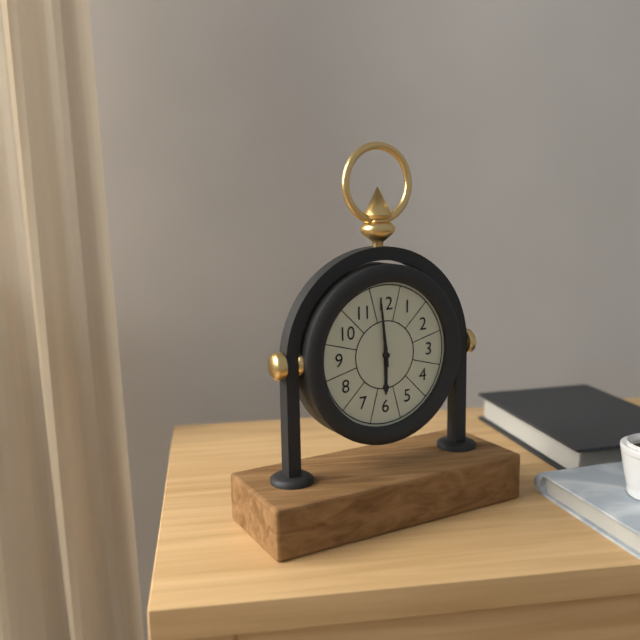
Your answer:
5 h 59 min
